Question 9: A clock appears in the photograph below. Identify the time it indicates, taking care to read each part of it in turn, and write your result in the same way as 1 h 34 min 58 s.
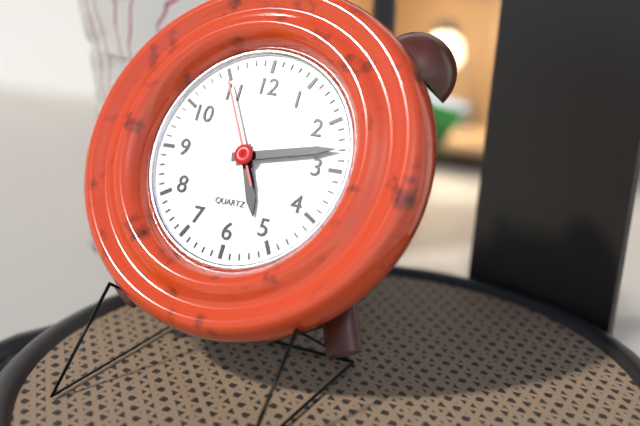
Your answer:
5 h 13 min 55 s
